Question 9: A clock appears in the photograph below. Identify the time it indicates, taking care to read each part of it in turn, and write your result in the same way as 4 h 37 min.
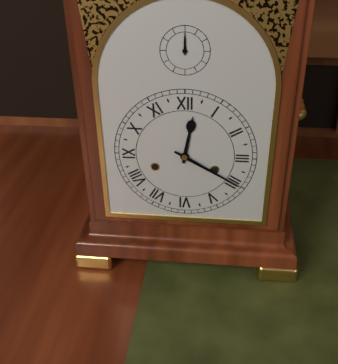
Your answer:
12 h 20 min
